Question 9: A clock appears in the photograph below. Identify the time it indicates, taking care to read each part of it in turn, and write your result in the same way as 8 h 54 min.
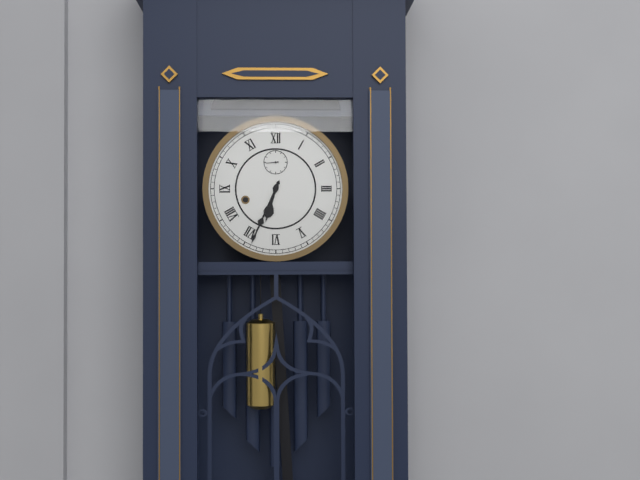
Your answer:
6 h 34 min
